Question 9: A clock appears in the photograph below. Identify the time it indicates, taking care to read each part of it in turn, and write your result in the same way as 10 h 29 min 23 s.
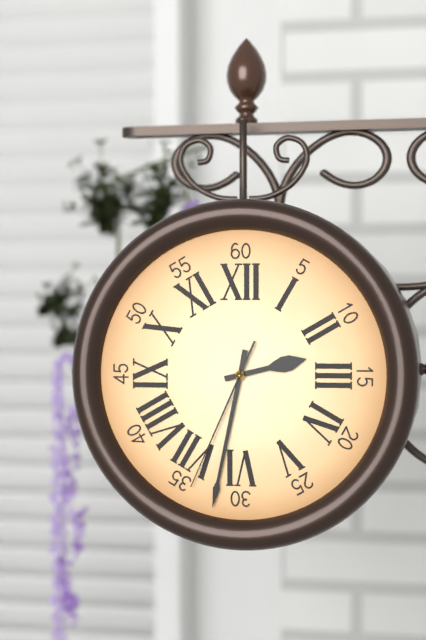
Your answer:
2 h 32 min 34 s
